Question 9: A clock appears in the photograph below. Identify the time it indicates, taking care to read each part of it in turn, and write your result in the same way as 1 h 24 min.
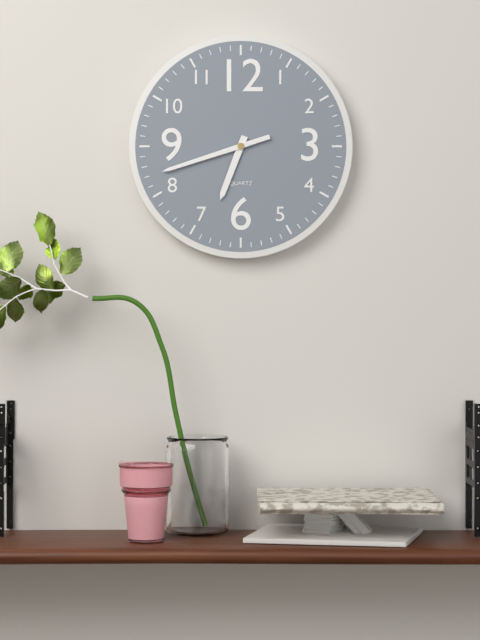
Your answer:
6 h 42 min
